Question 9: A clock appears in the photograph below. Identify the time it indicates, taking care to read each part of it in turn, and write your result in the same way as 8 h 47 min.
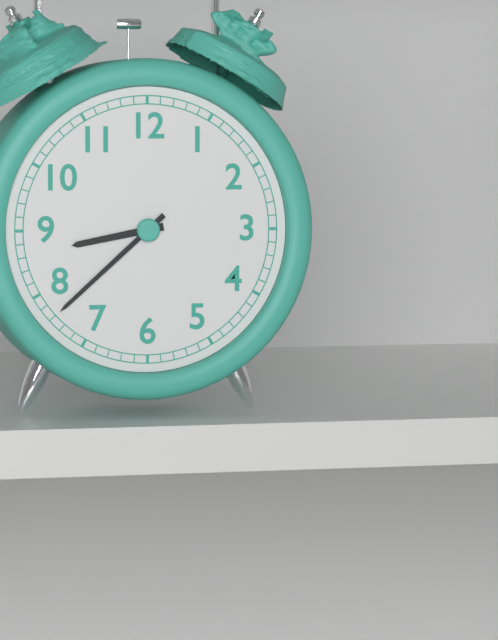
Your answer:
8 h 38 min
